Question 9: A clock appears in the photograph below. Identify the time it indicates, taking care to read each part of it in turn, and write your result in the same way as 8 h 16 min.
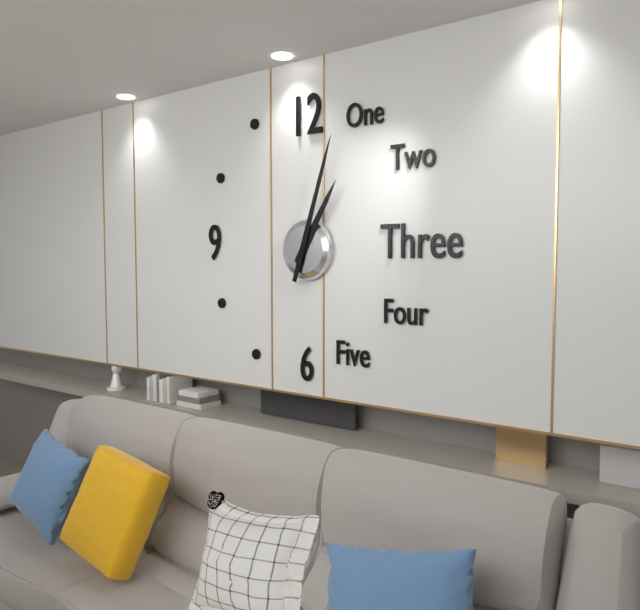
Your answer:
1 h 03 min
